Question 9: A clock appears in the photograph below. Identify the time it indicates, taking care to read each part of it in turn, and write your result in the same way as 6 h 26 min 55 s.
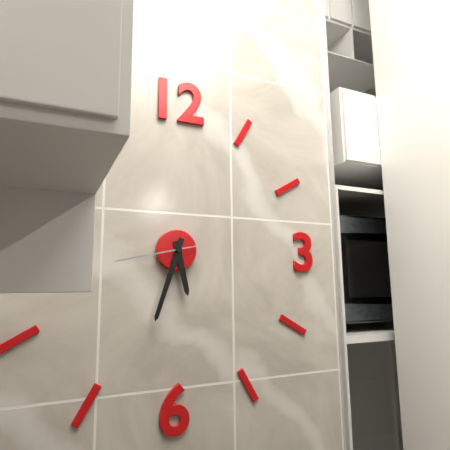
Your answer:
5 h 33 min 43 s
